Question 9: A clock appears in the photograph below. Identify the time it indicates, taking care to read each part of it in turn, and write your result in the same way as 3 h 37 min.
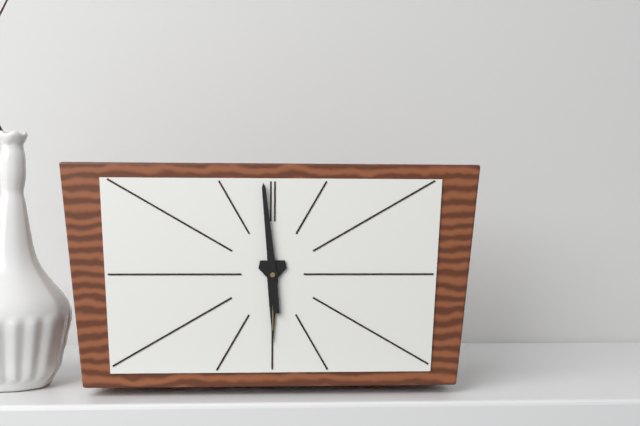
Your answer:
5 h 59 min
